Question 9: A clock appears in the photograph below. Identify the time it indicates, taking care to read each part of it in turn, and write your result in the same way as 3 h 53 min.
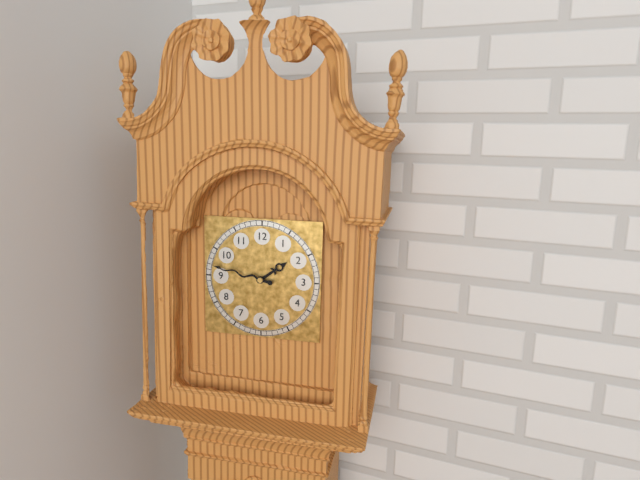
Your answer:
1 h 47 min
